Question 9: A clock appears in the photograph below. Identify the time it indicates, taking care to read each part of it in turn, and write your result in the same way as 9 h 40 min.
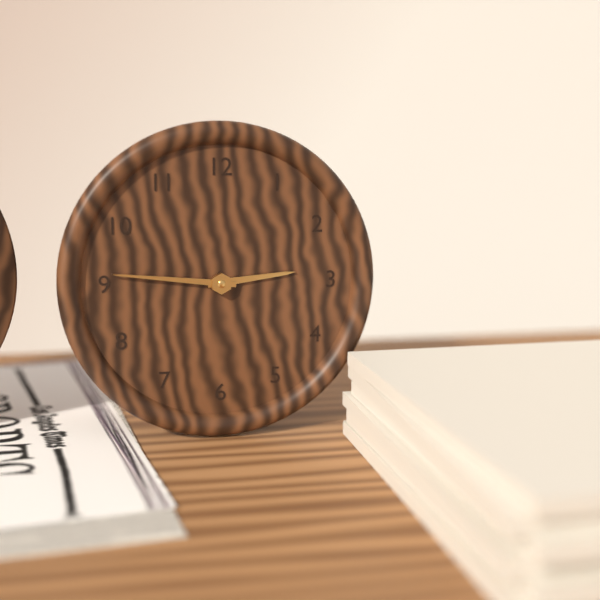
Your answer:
2 h 46 min
